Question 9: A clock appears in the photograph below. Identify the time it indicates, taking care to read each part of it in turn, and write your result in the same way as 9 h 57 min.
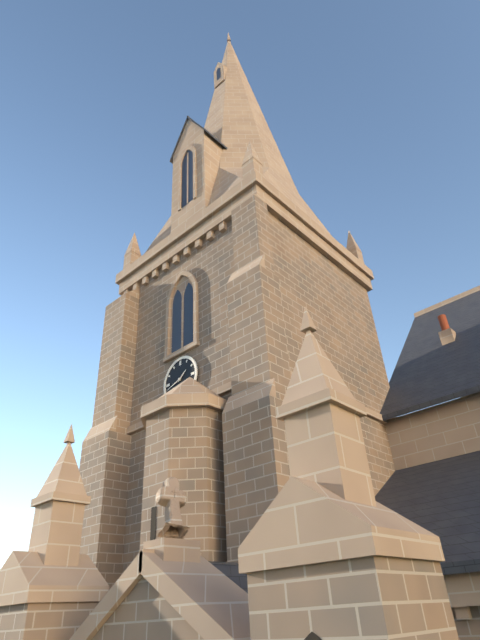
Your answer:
1 h 42 min
